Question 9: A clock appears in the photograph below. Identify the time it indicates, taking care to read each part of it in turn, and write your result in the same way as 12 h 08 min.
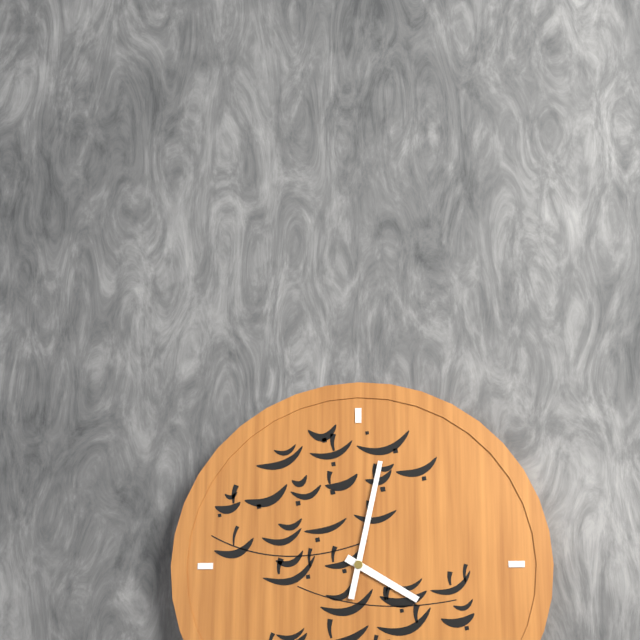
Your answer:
4 h 02 min
